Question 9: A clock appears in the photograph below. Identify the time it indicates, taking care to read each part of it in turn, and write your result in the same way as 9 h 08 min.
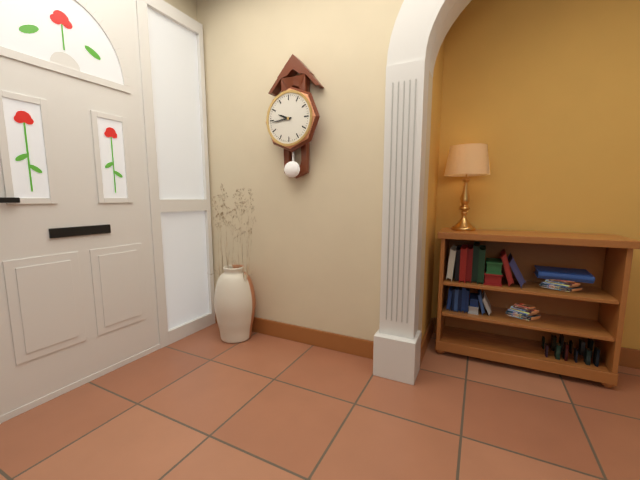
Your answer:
9 h 44 min
